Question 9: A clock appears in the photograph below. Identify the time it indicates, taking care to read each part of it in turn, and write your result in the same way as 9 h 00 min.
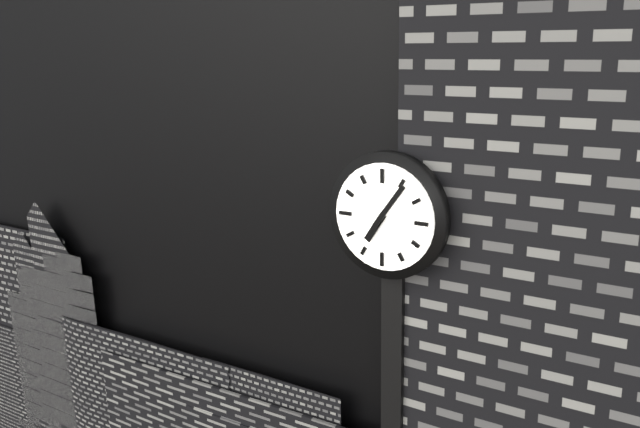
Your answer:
7 h 06 min
